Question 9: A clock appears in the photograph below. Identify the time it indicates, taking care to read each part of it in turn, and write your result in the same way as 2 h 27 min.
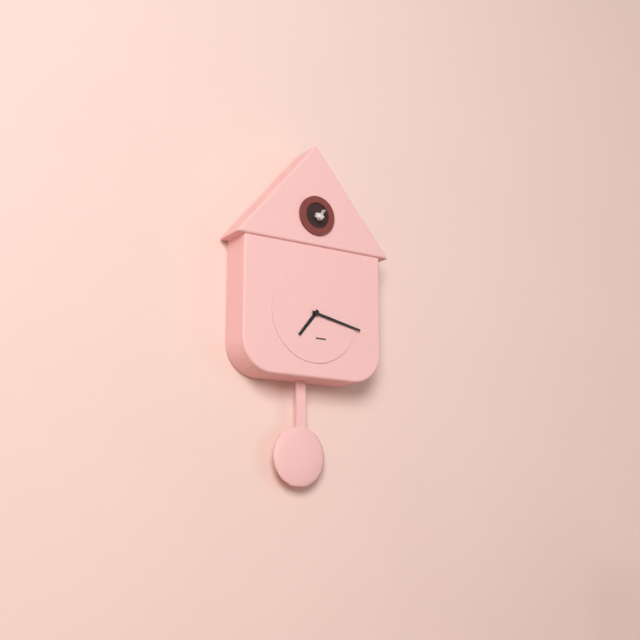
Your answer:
7 h 17 min
